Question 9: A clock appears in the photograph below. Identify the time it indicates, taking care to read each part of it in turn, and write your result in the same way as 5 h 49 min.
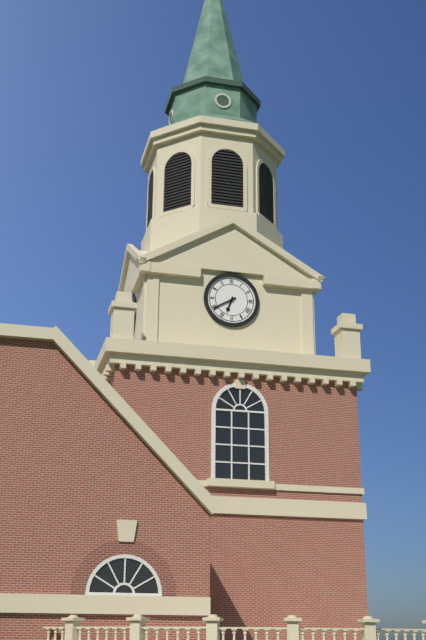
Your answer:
6 h 40 min
